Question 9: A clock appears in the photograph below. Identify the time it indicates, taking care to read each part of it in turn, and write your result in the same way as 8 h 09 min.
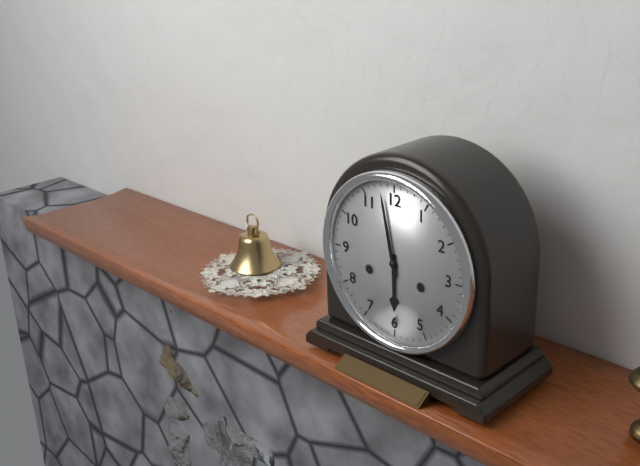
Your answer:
5 h 58 min
